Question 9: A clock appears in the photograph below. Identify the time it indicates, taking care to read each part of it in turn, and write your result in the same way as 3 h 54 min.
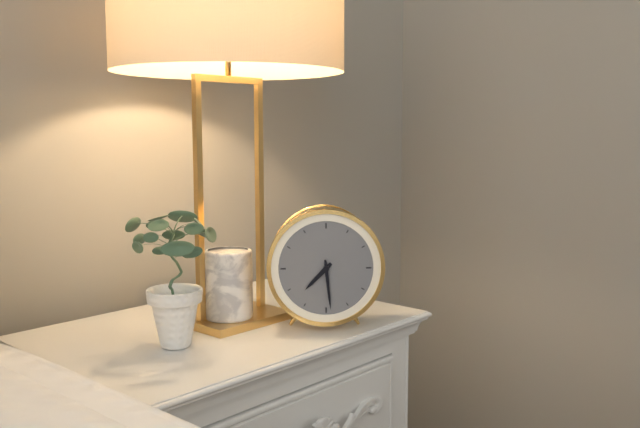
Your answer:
7 h 29 min
